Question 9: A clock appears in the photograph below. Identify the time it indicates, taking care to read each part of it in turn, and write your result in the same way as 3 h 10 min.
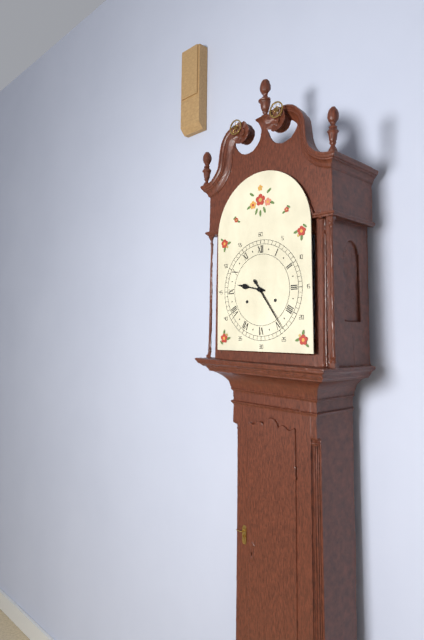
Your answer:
9 h 24 min
